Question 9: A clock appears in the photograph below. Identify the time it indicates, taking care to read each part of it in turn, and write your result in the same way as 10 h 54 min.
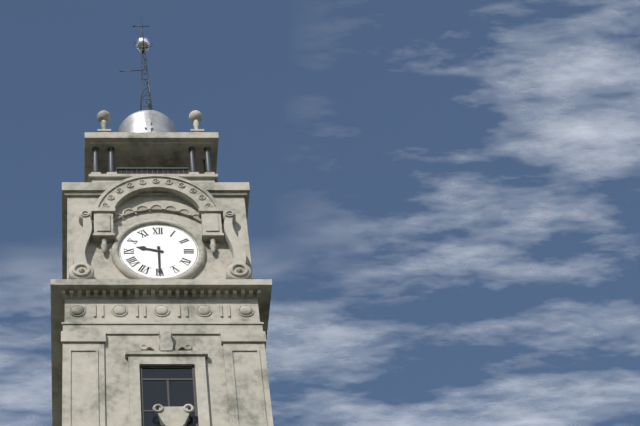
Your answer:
9 h 30 min
